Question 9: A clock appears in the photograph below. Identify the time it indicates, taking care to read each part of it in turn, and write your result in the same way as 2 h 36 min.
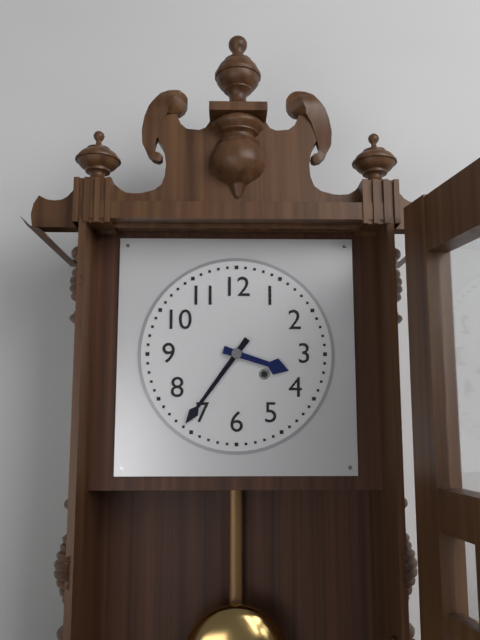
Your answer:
3 h 36 min
